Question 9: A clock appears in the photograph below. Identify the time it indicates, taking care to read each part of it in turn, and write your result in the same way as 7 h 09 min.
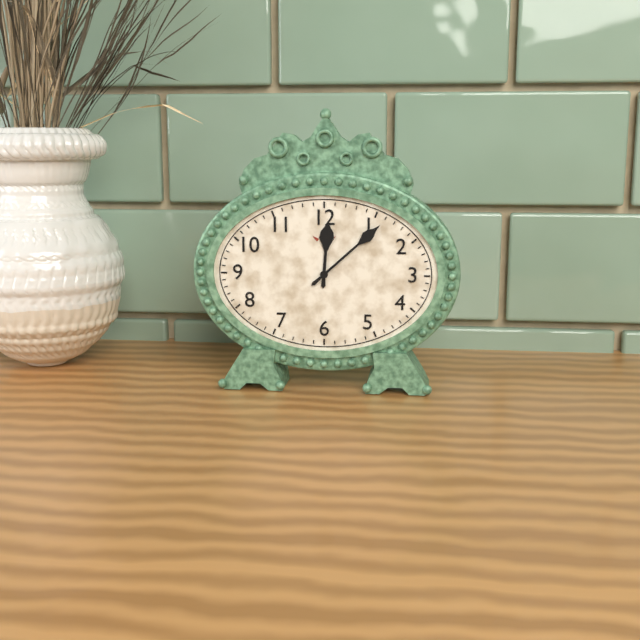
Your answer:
12 h 08 min
